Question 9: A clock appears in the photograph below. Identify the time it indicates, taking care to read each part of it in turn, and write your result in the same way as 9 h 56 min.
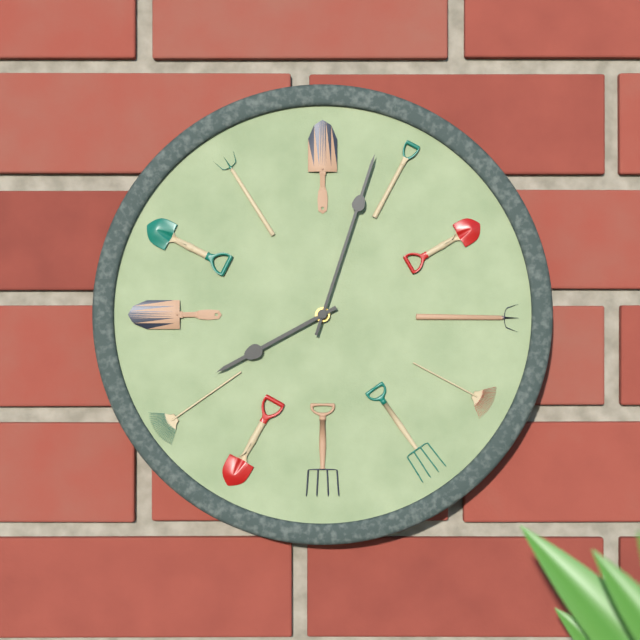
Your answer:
8 h 03 min
